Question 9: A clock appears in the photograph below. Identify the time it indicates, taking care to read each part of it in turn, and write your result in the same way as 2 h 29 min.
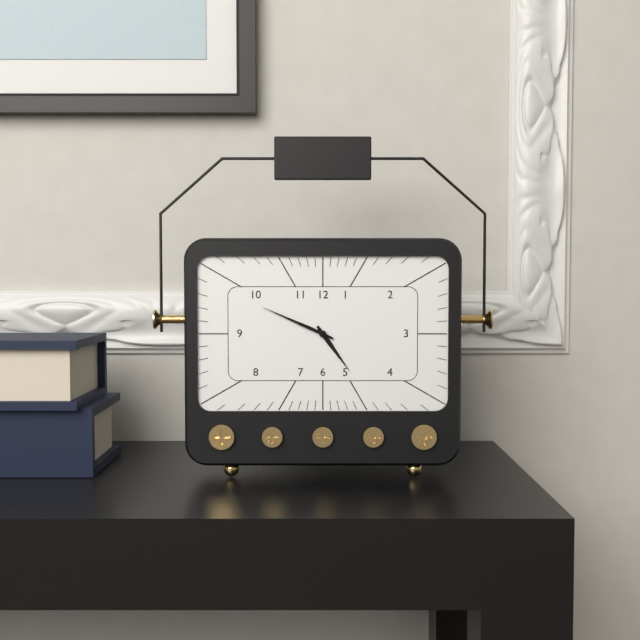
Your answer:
4 h 49 min
